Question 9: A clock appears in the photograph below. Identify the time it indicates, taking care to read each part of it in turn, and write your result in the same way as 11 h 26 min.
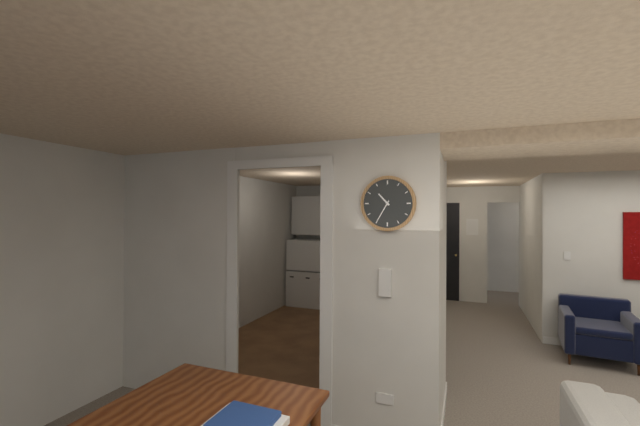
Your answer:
10 h 35 min
